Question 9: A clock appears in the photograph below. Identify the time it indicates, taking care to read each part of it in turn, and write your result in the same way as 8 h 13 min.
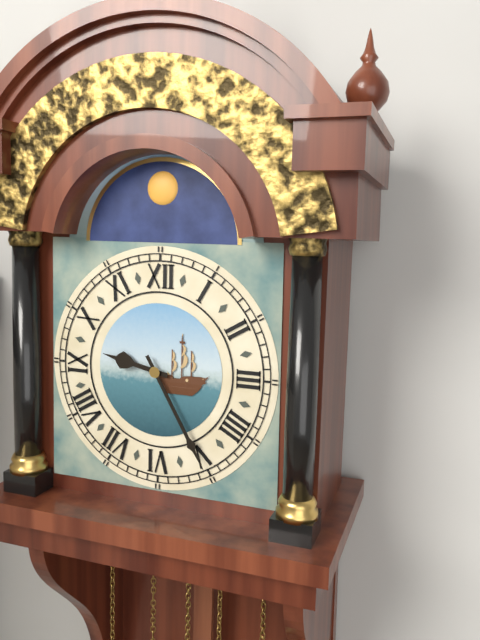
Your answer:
9 h 25 min
